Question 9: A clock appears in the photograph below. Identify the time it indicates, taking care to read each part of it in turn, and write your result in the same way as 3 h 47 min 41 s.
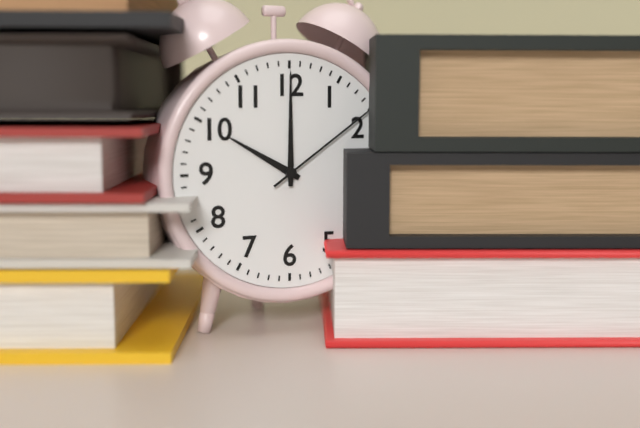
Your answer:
10 h 00 min 09 s
